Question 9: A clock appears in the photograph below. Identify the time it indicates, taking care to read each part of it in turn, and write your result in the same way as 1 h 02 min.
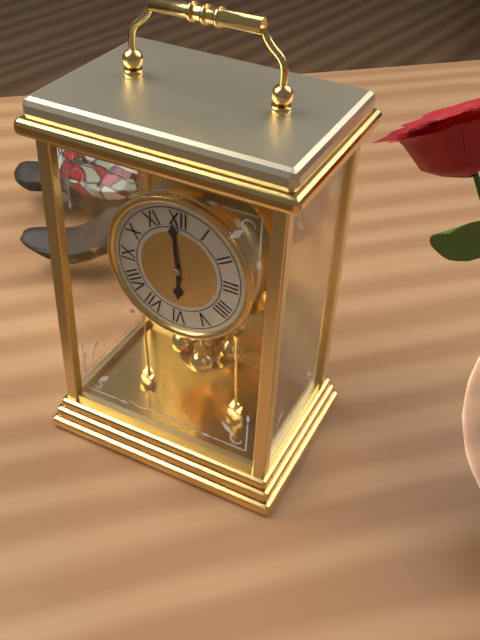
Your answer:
5 h 59 min
